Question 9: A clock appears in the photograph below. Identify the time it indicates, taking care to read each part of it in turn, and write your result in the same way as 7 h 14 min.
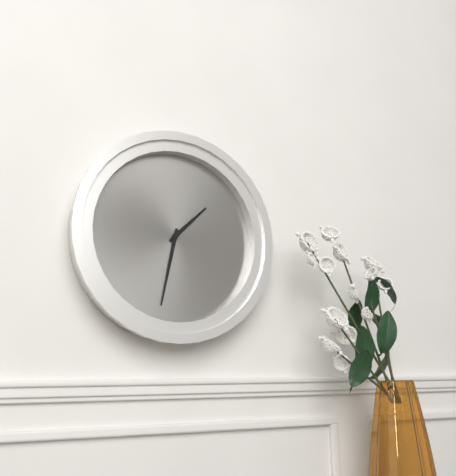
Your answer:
1 h 32 min
